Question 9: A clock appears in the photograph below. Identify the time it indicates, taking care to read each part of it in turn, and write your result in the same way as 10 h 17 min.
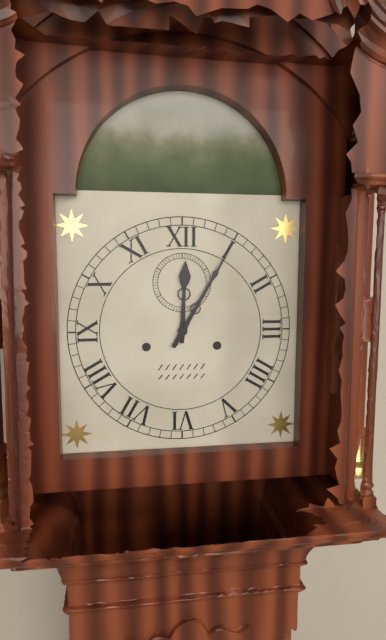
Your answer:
12 h 05 min
